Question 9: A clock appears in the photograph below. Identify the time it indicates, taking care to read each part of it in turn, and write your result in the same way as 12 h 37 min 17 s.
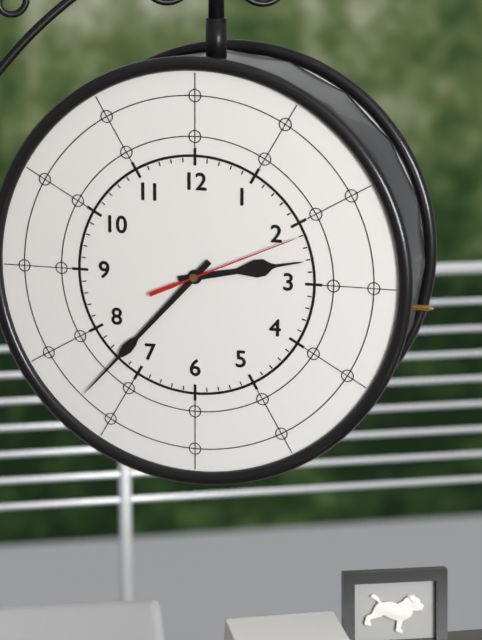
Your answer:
2 h 37 min 11 s
